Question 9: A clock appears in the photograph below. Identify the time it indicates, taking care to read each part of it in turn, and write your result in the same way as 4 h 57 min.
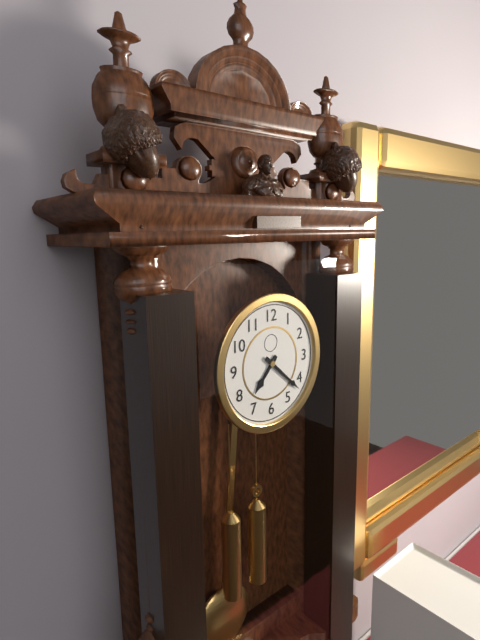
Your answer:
7 h 22 min
